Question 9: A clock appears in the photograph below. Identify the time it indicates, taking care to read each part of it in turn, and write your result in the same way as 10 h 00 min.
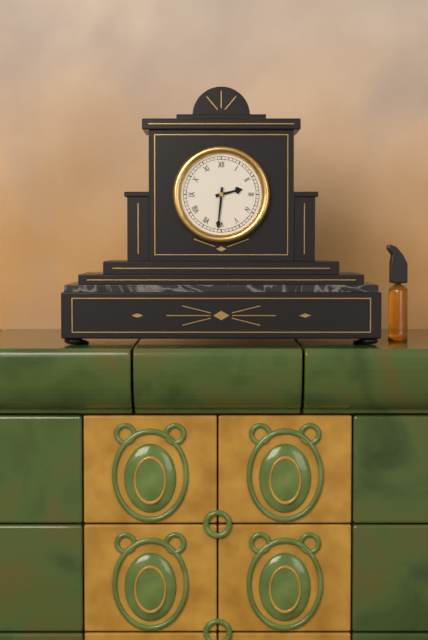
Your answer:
2 h 31 min
